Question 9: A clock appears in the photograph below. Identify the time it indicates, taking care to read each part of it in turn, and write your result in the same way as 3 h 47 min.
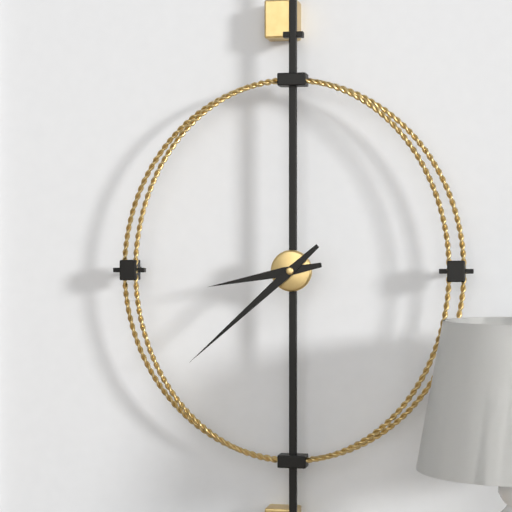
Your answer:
8 h 38 min
